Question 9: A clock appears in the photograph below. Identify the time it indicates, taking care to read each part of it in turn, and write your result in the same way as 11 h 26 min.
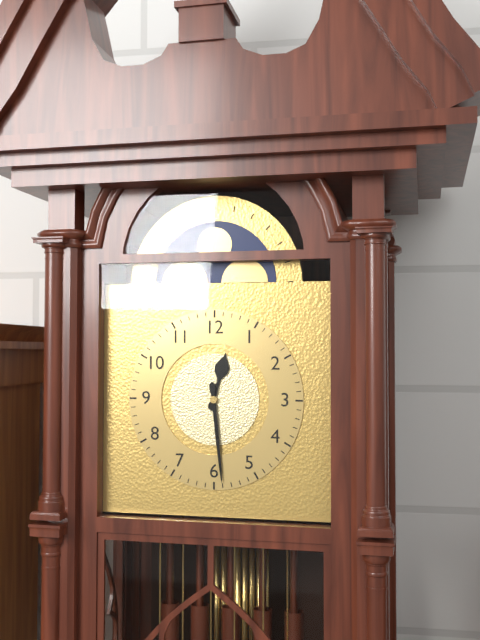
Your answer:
12 h 29 min
